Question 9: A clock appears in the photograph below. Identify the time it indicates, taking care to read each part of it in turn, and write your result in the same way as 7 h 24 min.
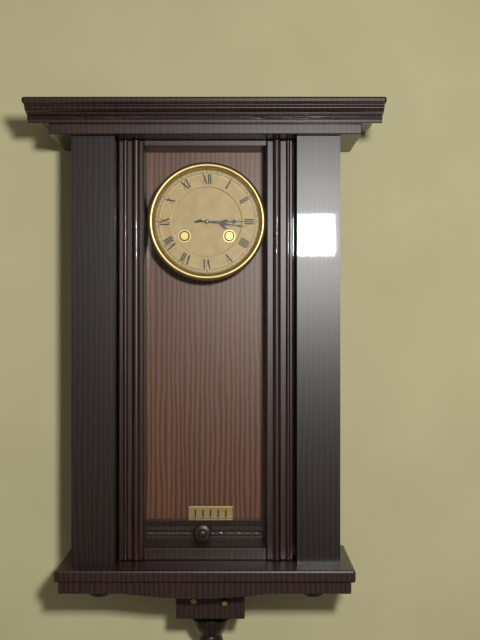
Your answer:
3 h 15 min
